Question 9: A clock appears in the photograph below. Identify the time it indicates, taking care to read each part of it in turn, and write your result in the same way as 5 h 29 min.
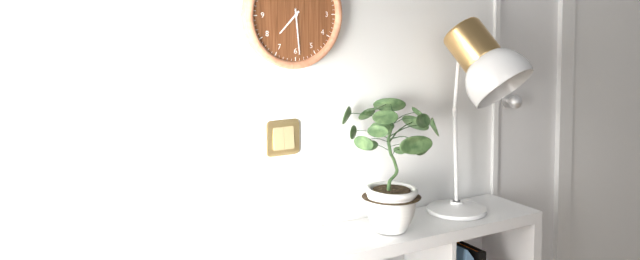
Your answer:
7 h 29 min
